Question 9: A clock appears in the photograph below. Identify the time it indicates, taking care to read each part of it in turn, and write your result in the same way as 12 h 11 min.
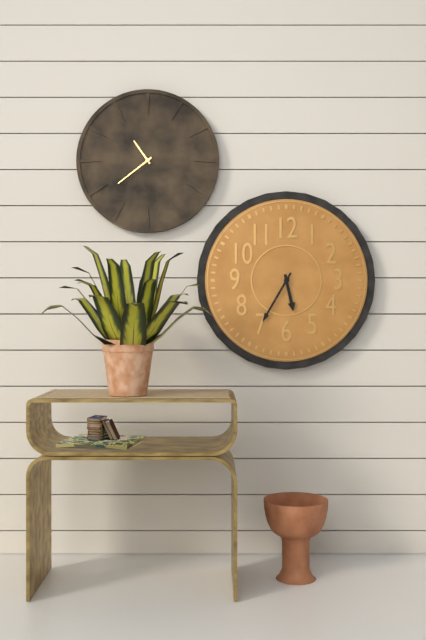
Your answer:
5 h 35 min
